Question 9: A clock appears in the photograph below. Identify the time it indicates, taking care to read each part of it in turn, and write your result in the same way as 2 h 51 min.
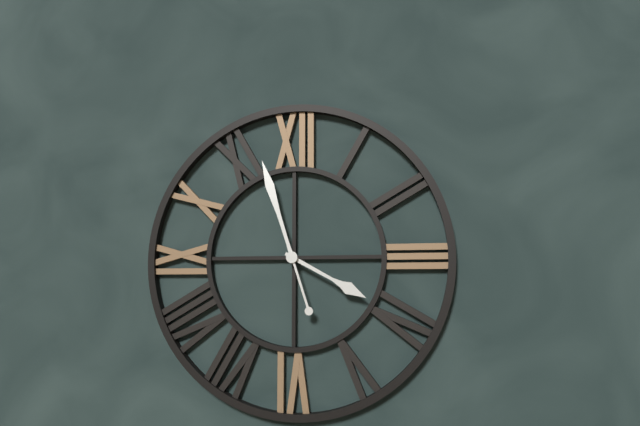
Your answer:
3 h 57 min
